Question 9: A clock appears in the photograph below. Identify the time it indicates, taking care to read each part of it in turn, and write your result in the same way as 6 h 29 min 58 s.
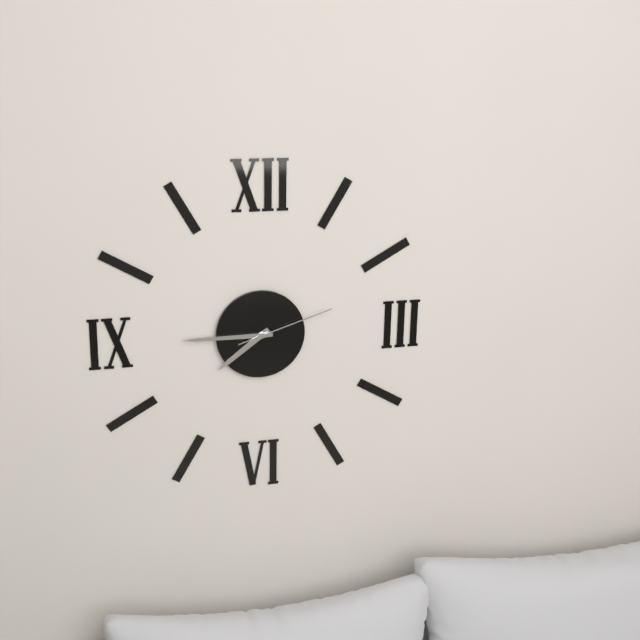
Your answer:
7 h 45 min 12 s
